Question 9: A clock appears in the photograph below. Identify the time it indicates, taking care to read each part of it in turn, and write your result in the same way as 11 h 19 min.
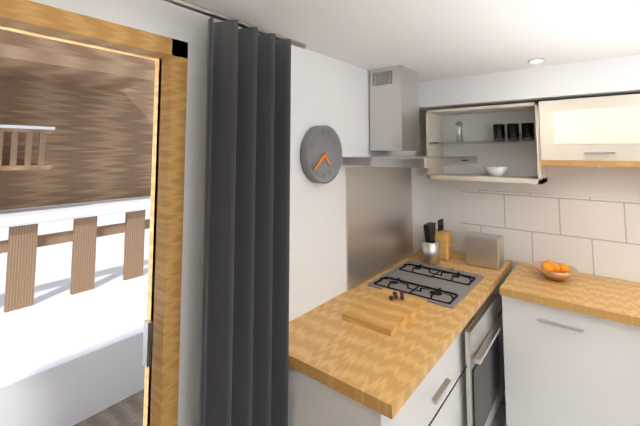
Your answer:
4 h 38 min
